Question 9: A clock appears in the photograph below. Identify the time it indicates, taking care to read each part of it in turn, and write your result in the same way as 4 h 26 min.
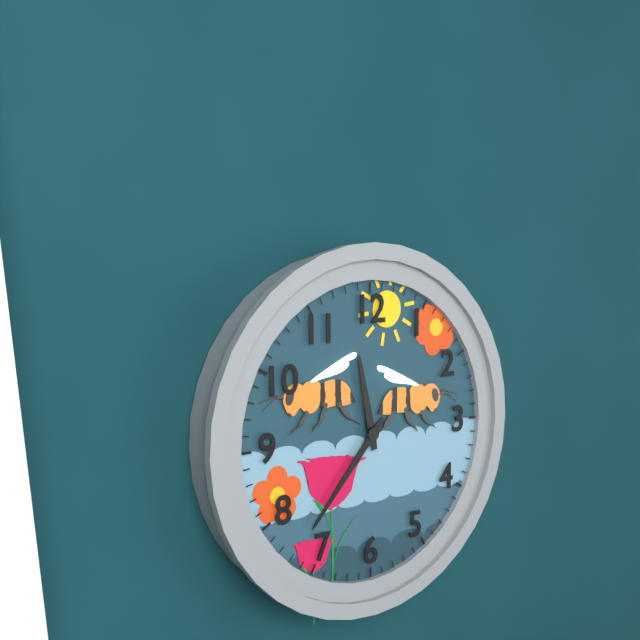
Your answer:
11 h 37 min
